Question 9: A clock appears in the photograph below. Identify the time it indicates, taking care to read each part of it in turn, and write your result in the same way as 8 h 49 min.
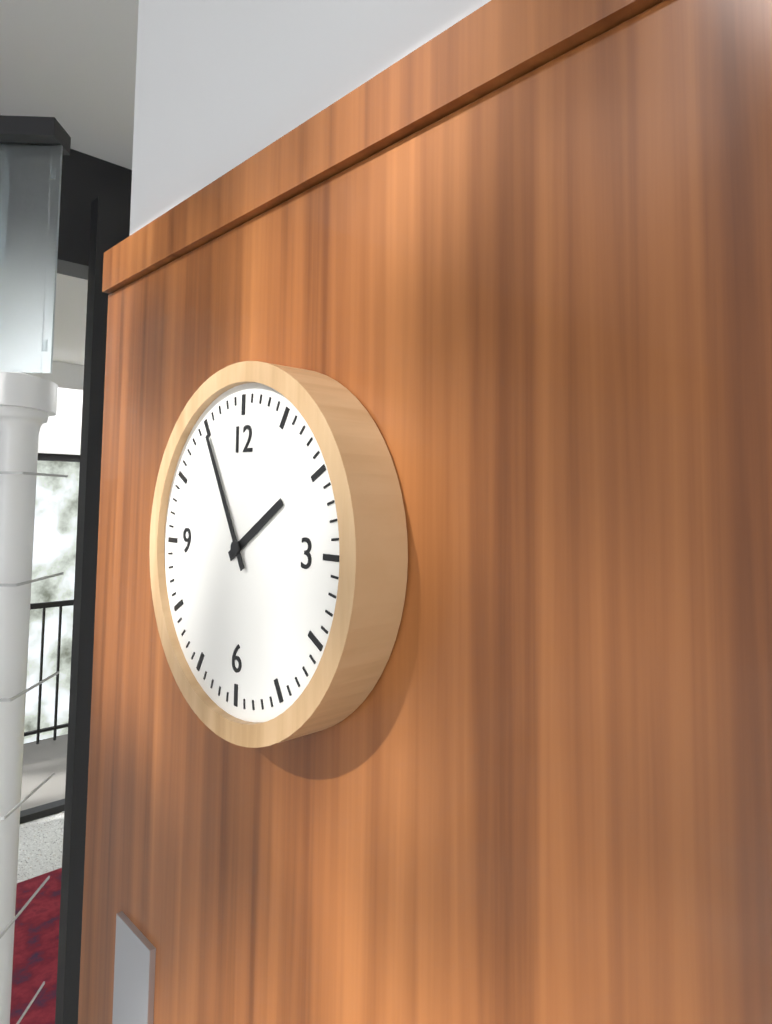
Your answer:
1 h 55 min
